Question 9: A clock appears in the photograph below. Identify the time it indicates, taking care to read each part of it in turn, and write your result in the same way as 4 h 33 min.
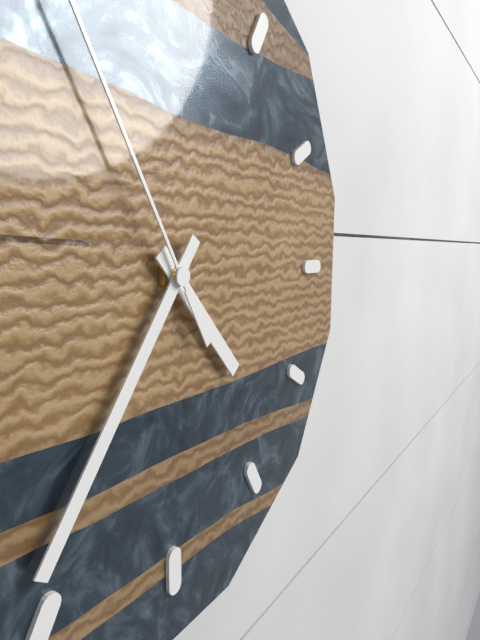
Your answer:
4 h 36 min
